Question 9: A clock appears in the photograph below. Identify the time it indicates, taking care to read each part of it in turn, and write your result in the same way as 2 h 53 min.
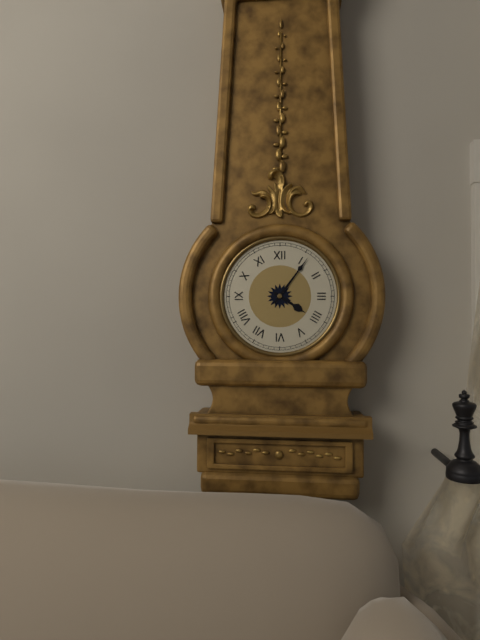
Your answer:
4 h 06 min
